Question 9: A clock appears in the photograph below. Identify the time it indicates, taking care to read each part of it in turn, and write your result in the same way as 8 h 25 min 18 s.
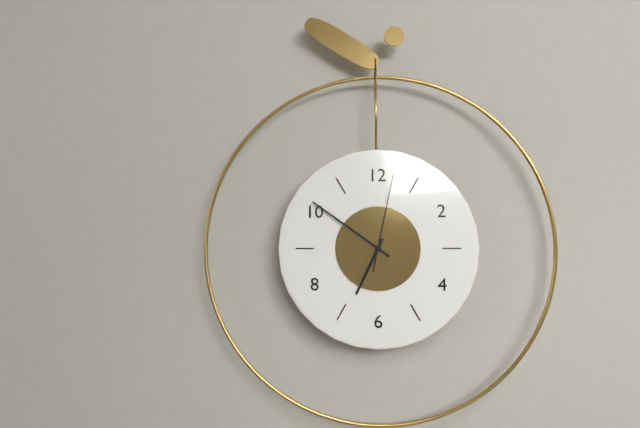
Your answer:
6 h 51 min 02 s
